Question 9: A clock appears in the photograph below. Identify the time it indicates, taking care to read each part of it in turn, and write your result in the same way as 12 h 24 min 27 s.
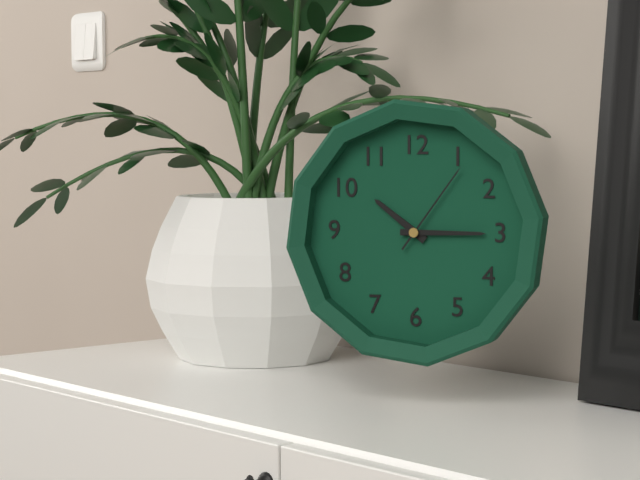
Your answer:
10 h 15 min 06 s
